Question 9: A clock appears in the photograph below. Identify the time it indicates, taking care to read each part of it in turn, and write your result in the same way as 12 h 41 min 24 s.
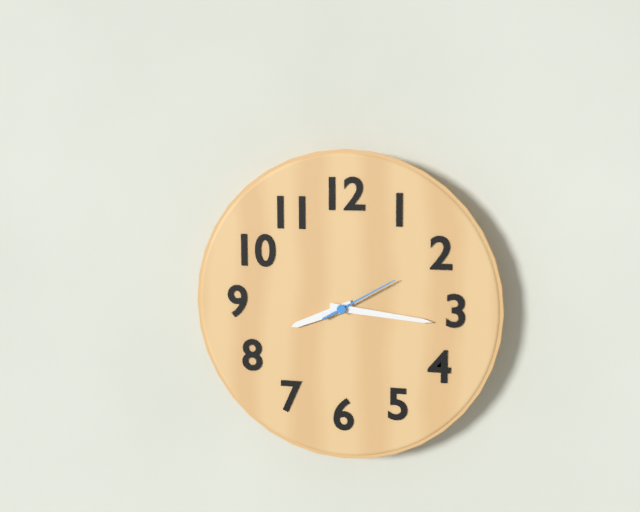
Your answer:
8 h 16 min 10 s
